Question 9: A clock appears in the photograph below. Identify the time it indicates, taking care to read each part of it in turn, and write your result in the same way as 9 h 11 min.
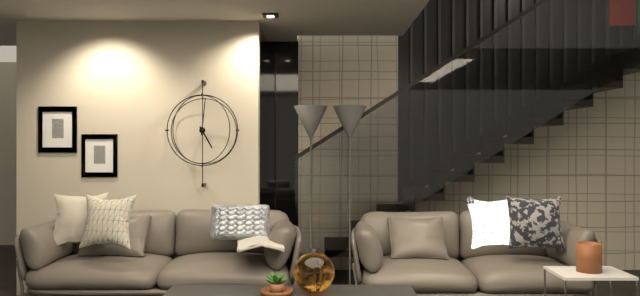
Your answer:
5 h 01 min
